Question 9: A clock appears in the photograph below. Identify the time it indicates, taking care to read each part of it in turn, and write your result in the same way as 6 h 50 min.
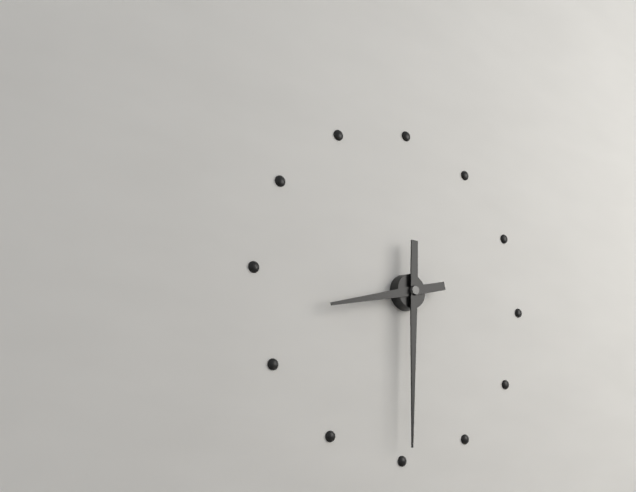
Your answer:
8 h 30 min
